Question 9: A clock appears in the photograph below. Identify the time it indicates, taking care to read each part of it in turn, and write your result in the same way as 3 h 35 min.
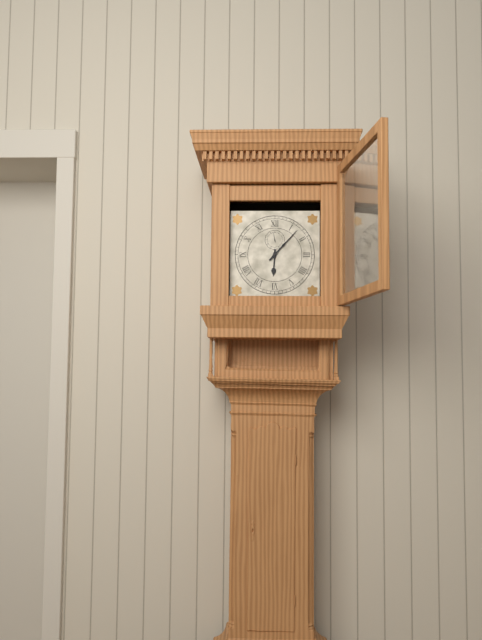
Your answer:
6 h 07 min
